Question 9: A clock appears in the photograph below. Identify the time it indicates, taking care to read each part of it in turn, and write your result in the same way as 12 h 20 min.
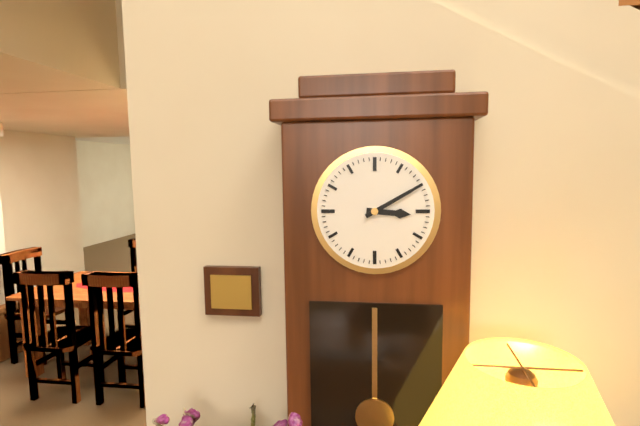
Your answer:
3 h 10 min
